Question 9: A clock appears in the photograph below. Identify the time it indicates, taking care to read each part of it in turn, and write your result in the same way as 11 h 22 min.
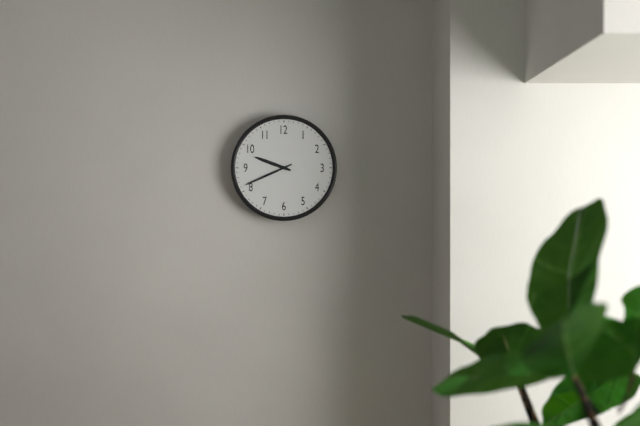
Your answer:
9 h 41 min
